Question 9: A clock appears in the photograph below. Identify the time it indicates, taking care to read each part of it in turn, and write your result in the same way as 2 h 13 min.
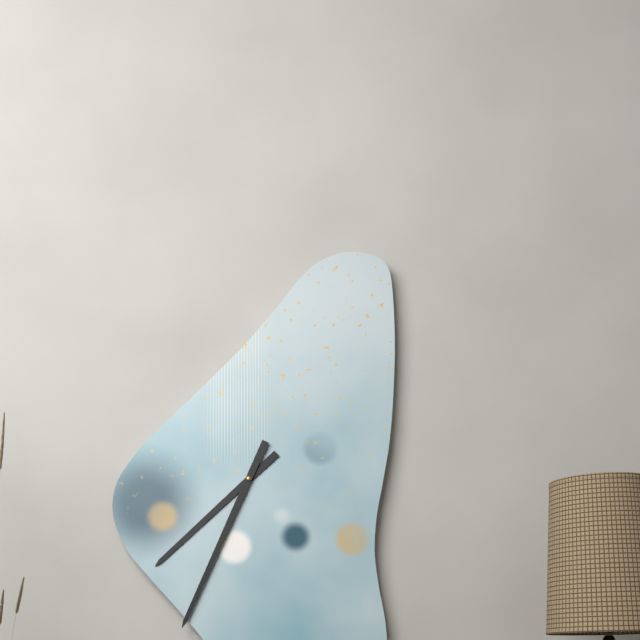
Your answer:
7 h 34 min
